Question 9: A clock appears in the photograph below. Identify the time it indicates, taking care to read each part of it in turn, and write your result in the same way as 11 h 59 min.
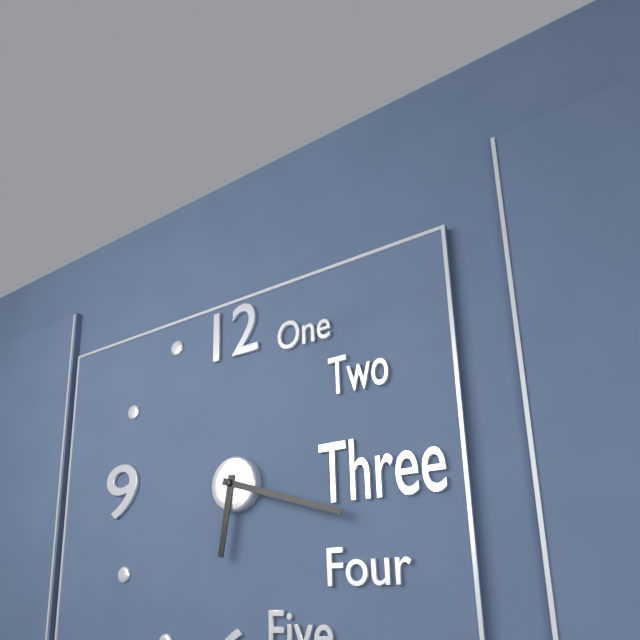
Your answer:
6 h 18 min
